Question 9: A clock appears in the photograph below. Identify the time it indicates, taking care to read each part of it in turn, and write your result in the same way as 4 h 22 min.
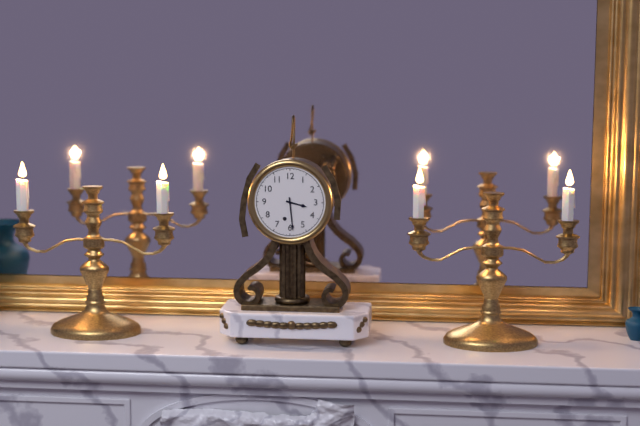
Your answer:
3 h 29 min
